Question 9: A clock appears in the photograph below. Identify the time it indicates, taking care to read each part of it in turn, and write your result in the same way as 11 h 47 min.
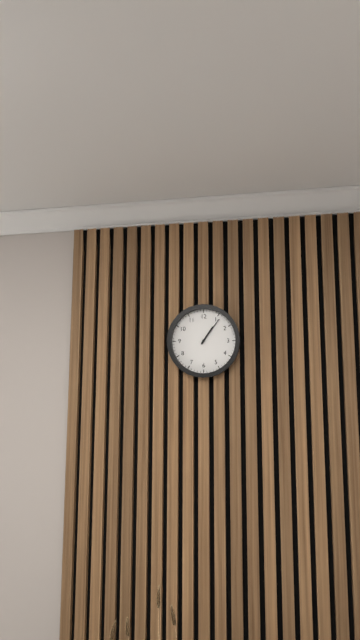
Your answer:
1 h 06 min
